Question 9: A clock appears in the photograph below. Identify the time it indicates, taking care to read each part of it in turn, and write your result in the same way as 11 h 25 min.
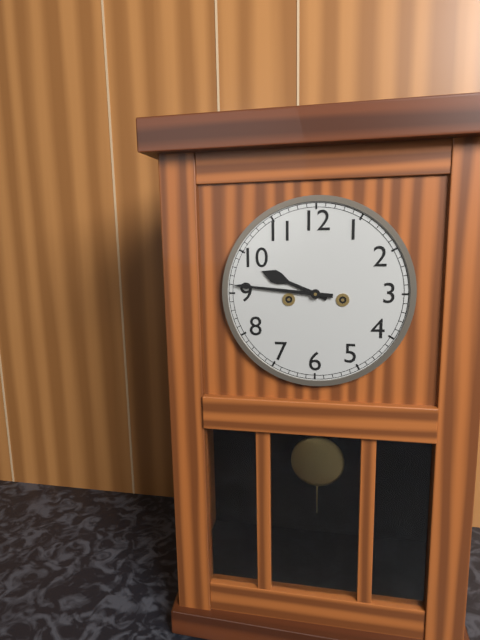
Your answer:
9 h 46 min
